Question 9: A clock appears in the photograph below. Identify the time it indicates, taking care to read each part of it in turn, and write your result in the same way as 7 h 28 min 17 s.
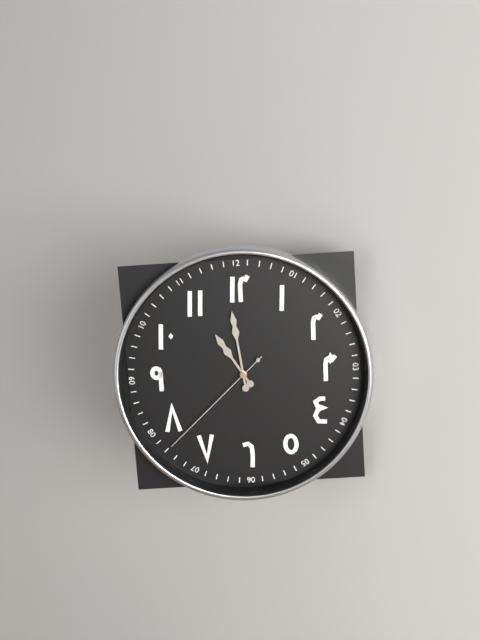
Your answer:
10 h 59 min 38 s
